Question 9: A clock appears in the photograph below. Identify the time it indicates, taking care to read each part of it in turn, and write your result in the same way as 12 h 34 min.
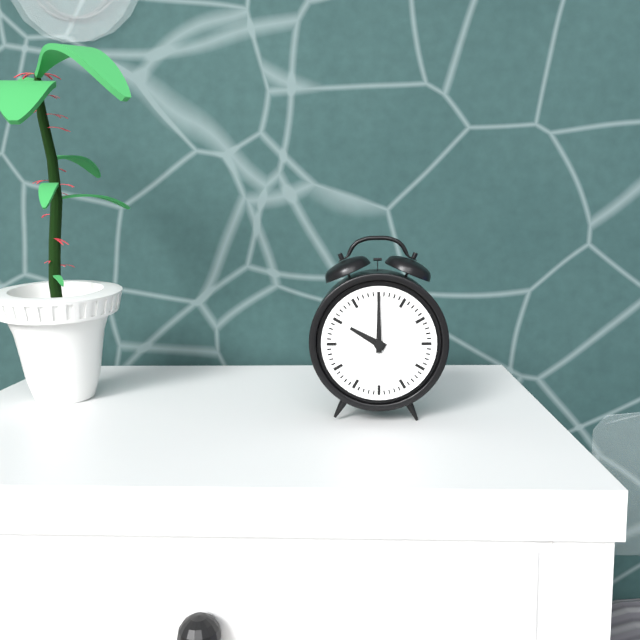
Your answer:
10 h 00 min
